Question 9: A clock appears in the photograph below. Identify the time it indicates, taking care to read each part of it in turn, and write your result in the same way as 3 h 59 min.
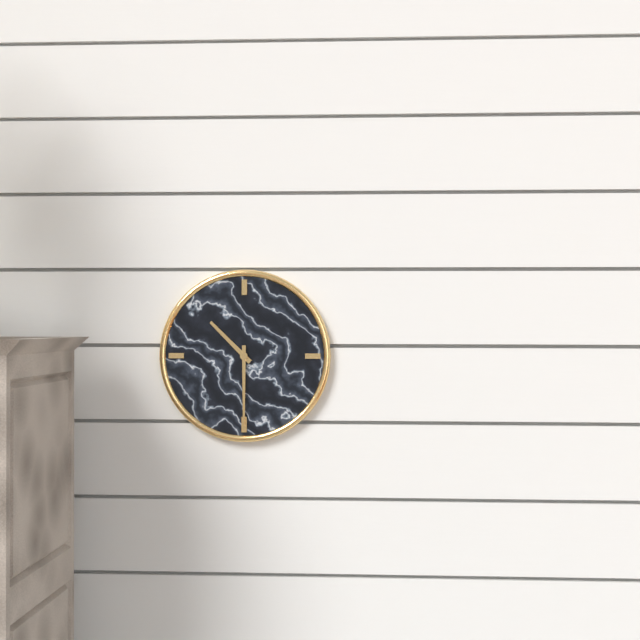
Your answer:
10 h 30 min
